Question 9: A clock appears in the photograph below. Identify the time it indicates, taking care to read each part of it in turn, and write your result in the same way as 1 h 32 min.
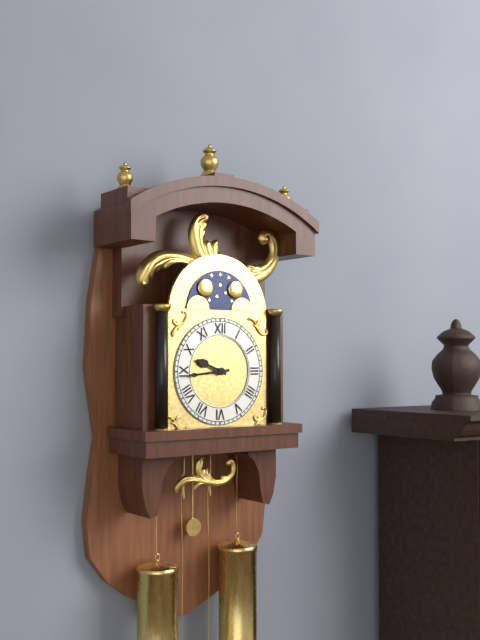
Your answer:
9 h 44 min
